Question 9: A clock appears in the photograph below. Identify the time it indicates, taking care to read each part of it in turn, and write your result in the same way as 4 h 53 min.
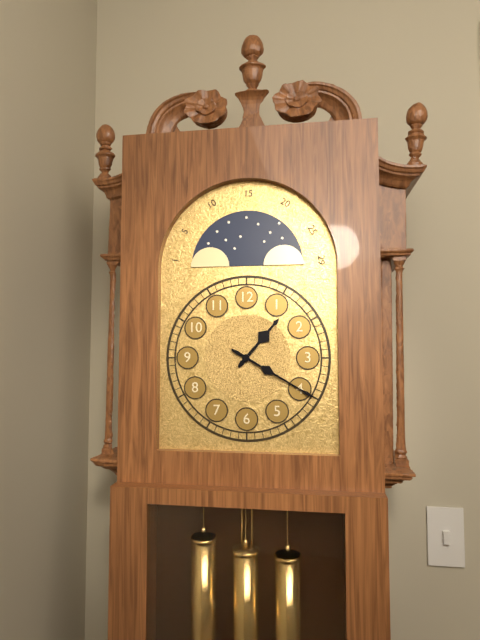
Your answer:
1 h 20 min
